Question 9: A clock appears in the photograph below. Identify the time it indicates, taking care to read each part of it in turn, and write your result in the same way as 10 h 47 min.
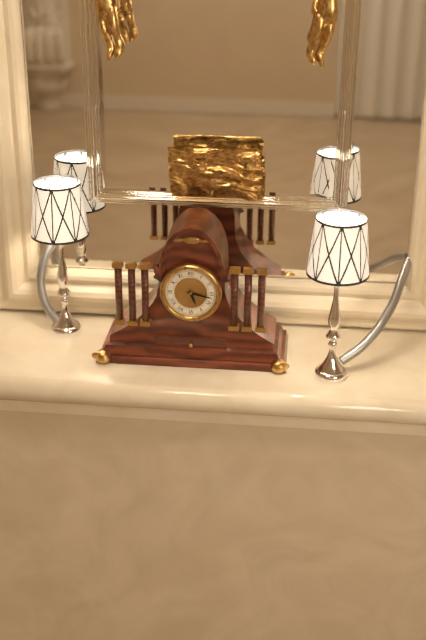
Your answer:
5 h 17 min
